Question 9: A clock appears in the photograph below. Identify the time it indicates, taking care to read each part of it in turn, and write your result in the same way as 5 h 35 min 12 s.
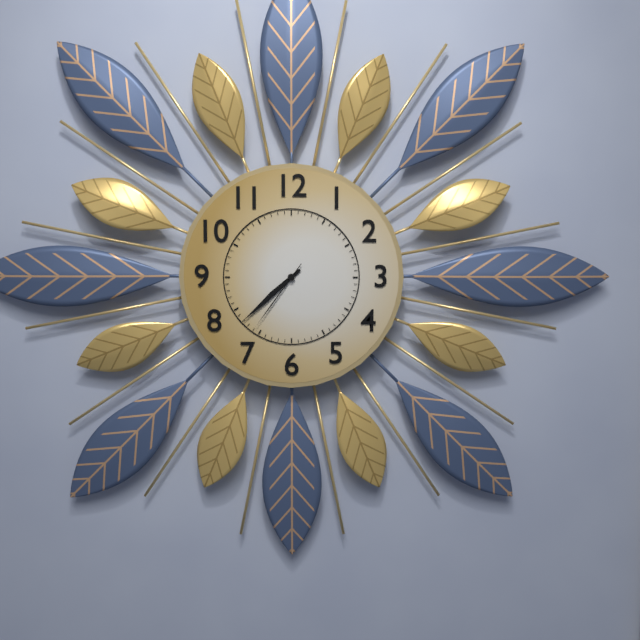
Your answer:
7 h 38 min 36 s
